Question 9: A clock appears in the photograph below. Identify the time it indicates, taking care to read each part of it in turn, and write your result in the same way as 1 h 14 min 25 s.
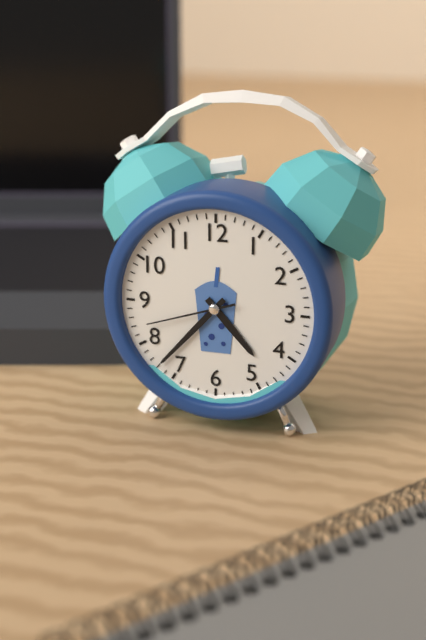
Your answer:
4 h 37 min 42 s
